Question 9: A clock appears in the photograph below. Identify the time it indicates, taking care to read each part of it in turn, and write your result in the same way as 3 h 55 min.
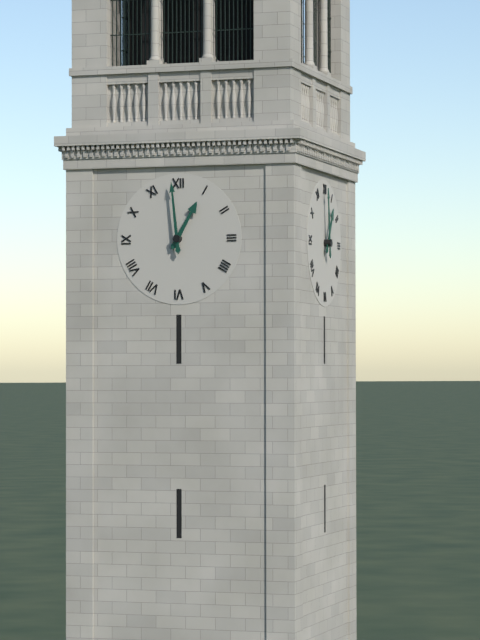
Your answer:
12 h 59 min
